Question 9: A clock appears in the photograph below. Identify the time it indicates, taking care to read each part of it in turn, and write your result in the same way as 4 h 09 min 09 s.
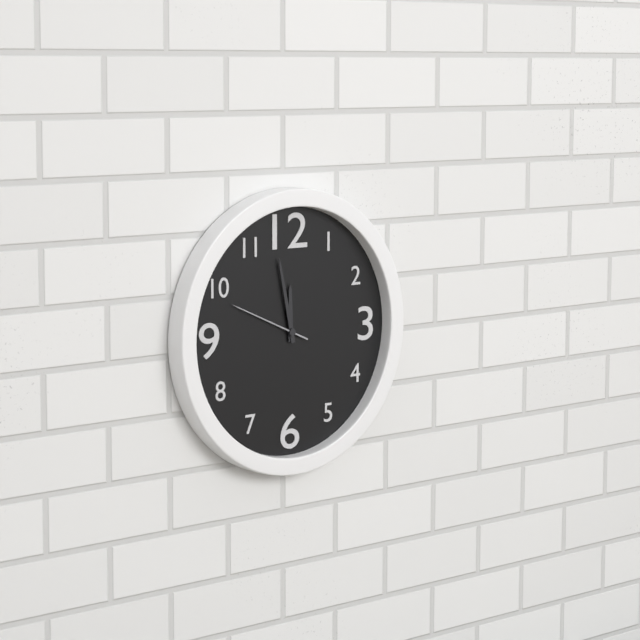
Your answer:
11 h 58 min 49 s
